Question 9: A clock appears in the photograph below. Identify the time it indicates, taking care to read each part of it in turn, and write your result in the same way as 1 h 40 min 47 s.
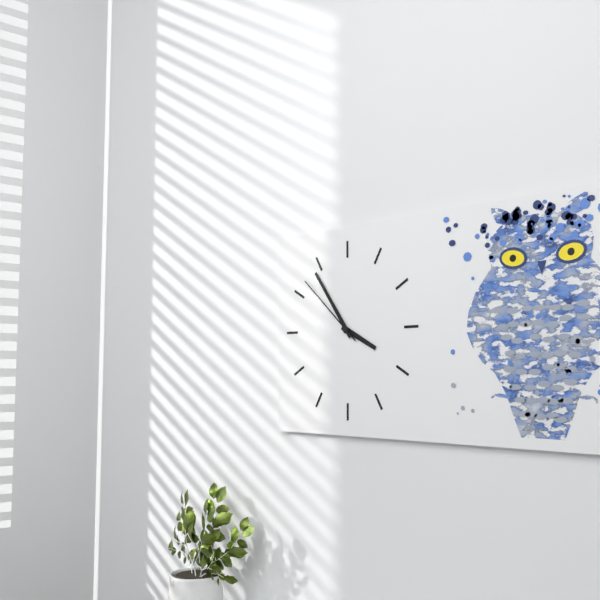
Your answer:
3 h 54 min 52 s
